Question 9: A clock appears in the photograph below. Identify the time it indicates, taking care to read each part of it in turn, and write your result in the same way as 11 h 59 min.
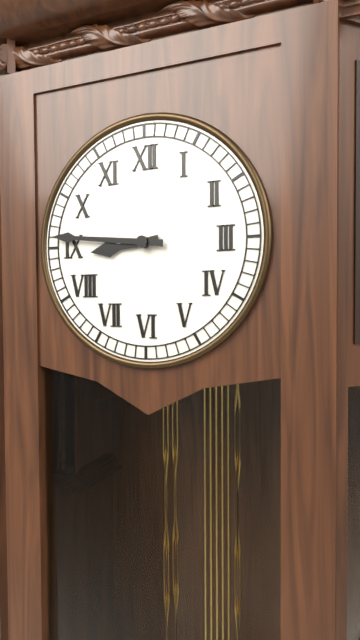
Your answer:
8 h 46 min
